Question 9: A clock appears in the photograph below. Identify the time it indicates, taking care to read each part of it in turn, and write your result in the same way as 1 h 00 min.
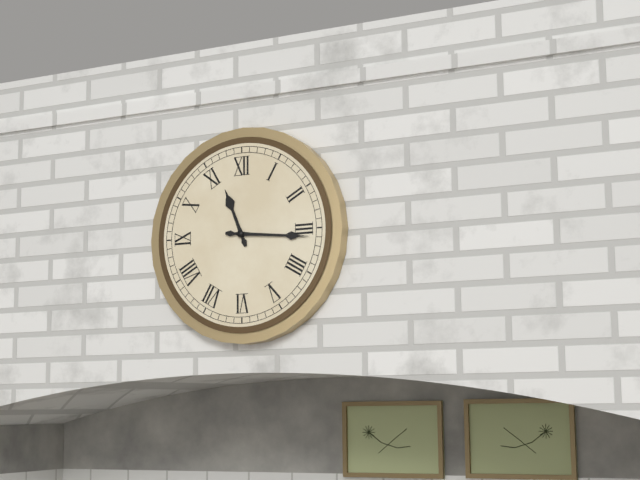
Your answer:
11 h 16 min
